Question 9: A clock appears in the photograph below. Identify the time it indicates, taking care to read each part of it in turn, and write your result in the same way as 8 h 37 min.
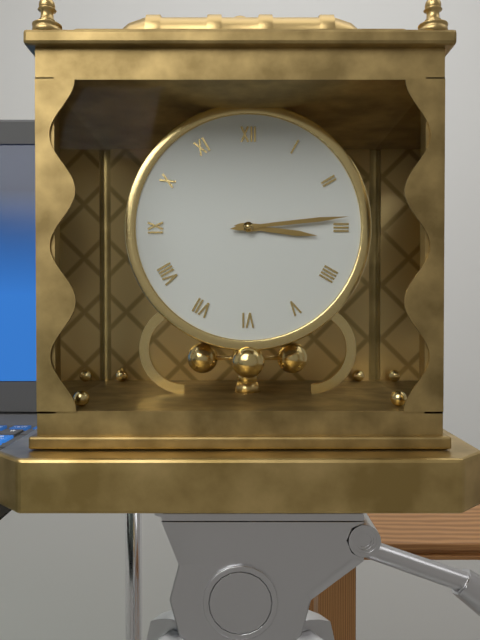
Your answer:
3 h 14 min
